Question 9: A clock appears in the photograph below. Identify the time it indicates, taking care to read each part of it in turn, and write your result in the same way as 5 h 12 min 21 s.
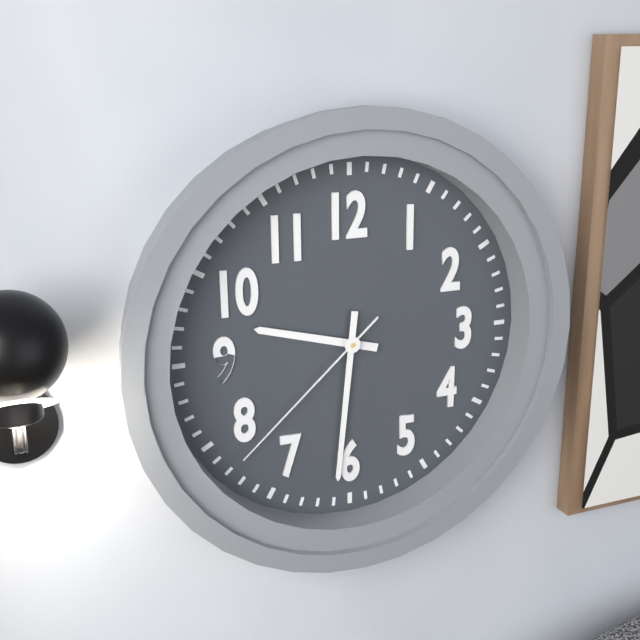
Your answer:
9 h 31 min 38 s
